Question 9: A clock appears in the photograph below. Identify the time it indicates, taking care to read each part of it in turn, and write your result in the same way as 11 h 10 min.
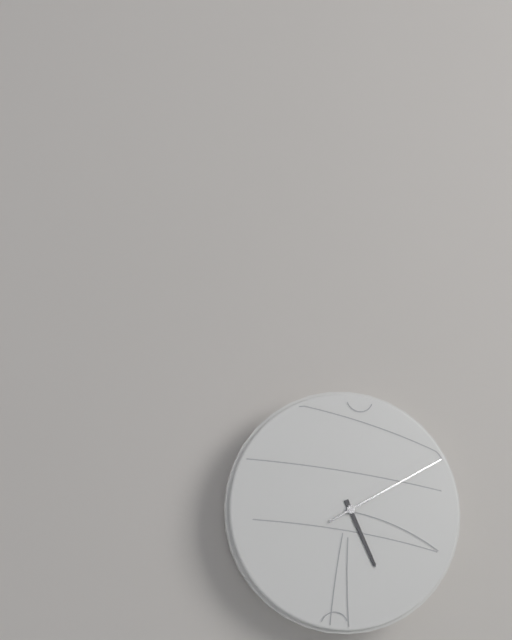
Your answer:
5 h 10 min
